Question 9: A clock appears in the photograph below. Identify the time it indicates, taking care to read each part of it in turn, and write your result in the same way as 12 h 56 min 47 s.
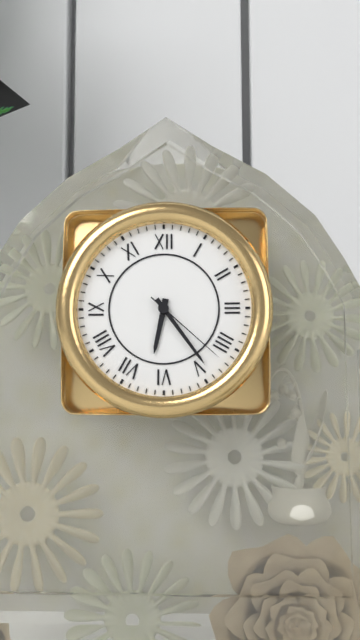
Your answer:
6 h 24 min 22 s
